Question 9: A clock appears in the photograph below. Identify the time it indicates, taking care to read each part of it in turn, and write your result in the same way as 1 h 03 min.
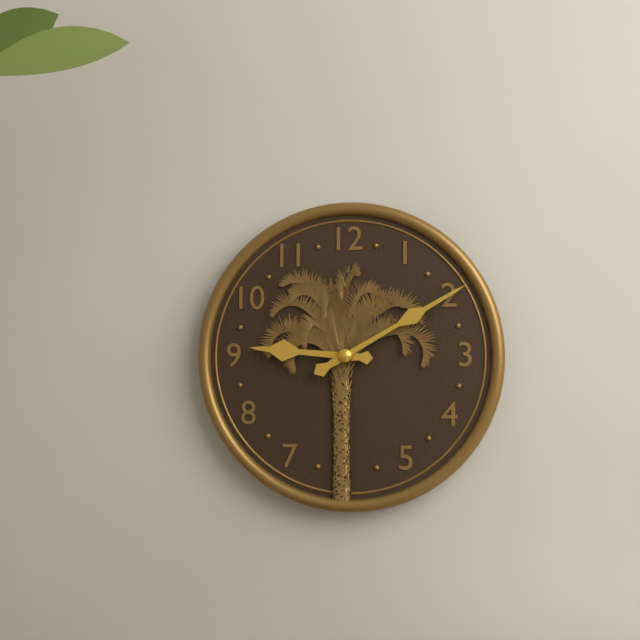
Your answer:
9 h 10 min
